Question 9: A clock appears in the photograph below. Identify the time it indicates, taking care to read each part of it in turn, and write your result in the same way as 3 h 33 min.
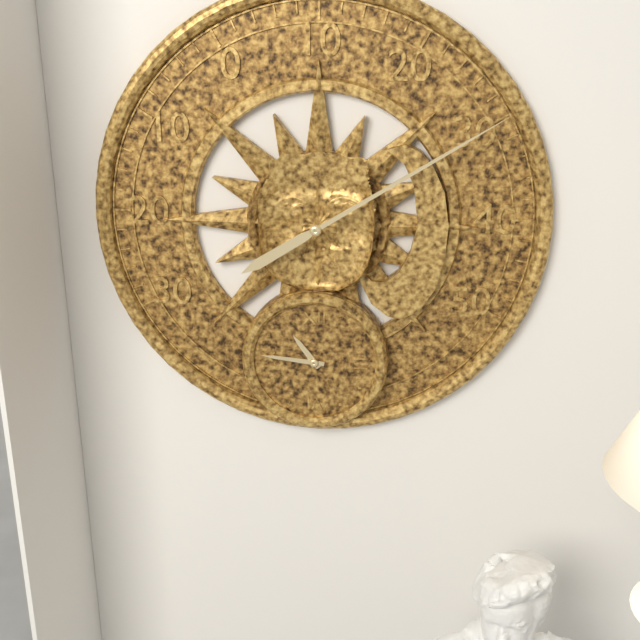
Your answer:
10 h 46 min
